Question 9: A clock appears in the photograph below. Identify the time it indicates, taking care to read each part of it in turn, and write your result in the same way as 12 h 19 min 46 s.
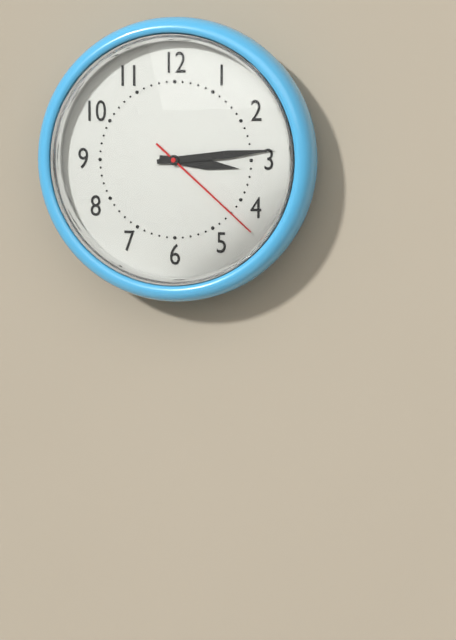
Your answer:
3 h 14 min 22 s
